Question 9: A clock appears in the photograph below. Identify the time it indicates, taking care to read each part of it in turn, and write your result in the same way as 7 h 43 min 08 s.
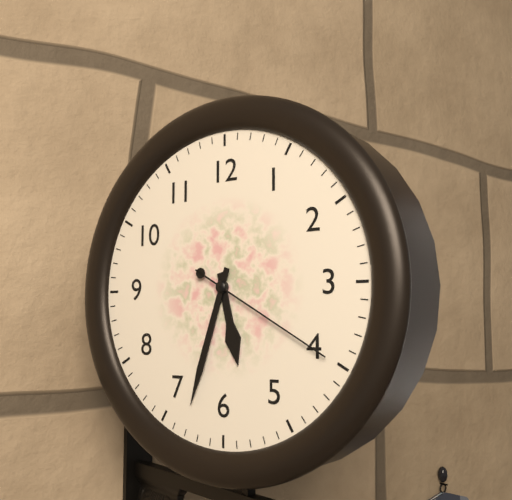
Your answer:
5 h 33 min 20 s
